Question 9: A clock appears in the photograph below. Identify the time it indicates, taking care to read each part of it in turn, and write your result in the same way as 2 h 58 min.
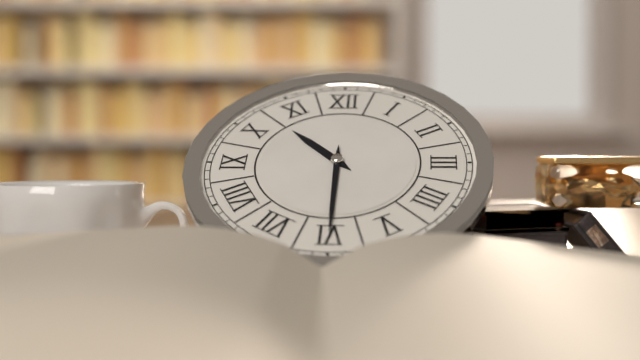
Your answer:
10 h 30 min
